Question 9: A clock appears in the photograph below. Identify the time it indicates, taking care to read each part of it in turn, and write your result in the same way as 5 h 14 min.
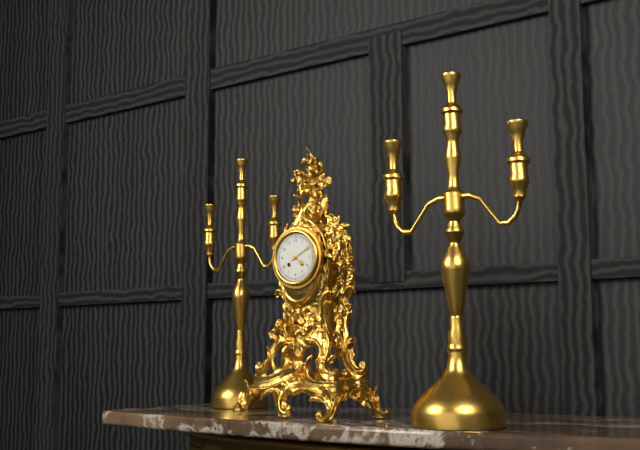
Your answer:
4 h 10 min
